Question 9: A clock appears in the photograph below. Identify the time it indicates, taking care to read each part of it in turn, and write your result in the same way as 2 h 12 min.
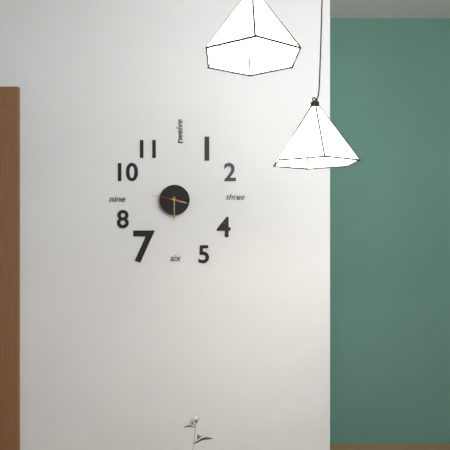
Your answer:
3 h 30 min
